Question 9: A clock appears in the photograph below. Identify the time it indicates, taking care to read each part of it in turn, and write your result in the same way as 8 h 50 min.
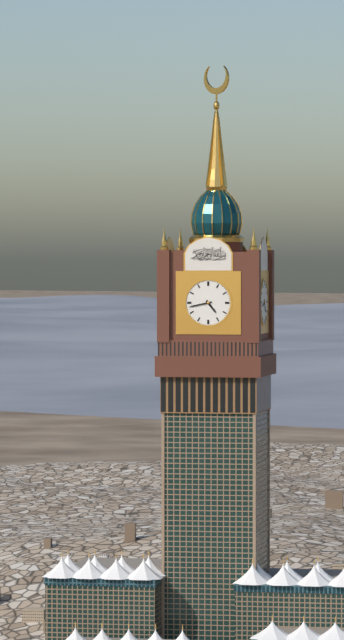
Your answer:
4 h 43 min
